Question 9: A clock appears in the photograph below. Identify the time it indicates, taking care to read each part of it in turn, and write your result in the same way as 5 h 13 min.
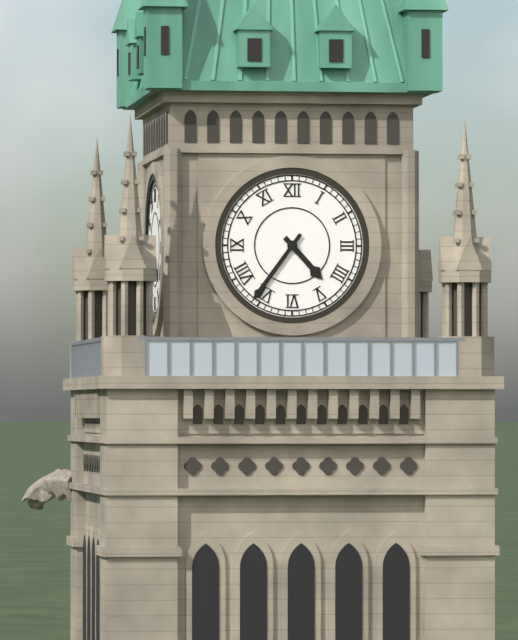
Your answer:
4 h 36 min
